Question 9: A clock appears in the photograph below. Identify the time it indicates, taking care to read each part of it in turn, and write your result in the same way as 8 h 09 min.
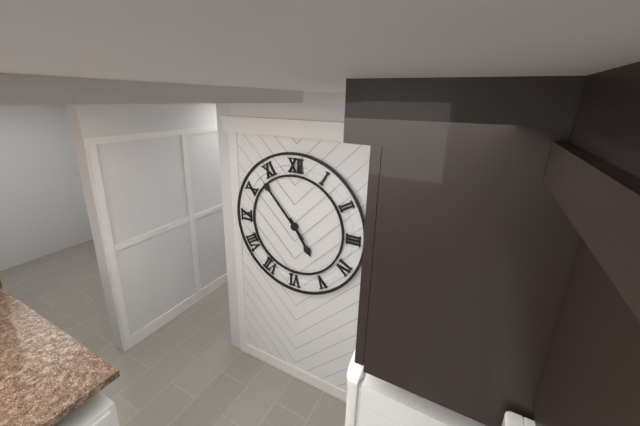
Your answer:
4 h 53 min
